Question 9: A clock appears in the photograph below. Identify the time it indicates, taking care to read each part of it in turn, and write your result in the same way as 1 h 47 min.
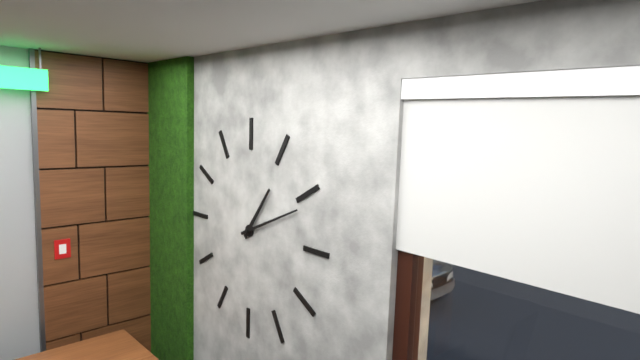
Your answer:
1 h 11 min
